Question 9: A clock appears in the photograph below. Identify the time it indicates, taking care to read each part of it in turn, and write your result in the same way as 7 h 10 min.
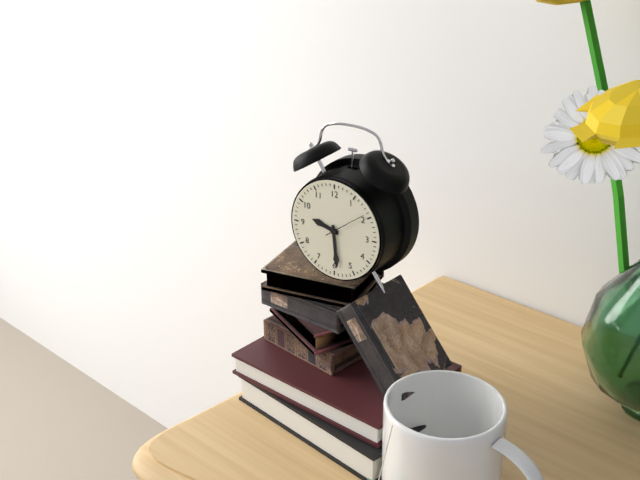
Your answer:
9 h 29 min
